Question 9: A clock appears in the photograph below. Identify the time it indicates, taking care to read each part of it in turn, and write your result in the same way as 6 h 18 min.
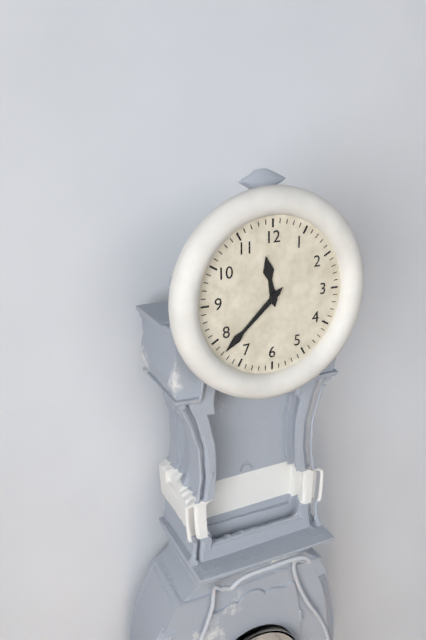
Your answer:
11 h 38 min
